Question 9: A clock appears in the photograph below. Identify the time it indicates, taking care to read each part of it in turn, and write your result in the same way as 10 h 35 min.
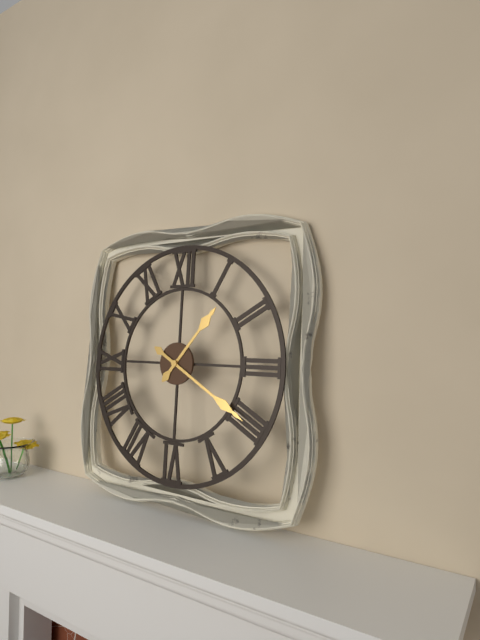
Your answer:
1 h 20 min
